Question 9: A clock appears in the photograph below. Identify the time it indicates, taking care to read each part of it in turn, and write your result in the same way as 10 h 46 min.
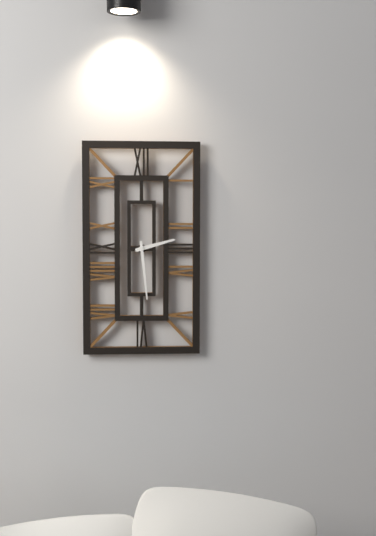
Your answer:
2 h 29 min
